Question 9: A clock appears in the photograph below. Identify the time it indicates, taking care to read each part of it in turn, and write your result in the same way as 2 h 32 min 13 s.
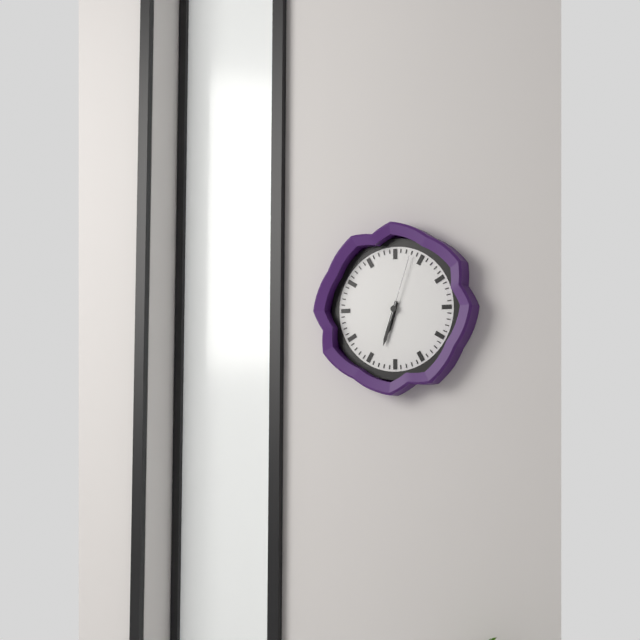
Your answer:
6 h 33 min 03 s
